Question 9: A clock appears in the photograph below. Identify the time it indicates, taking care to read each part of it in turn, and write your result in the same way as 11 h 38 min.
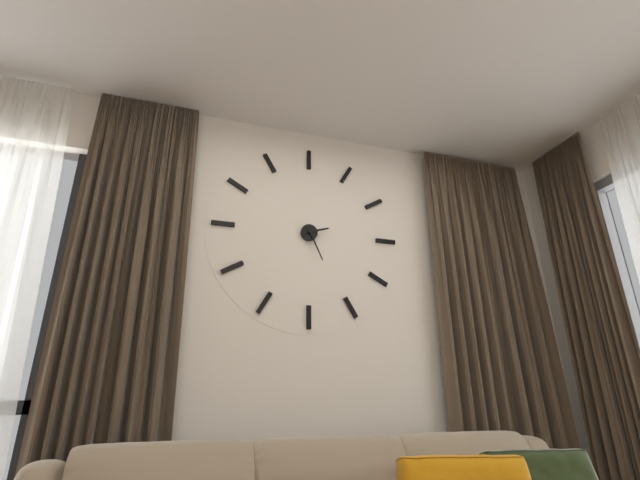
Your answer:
2 h 26 min
